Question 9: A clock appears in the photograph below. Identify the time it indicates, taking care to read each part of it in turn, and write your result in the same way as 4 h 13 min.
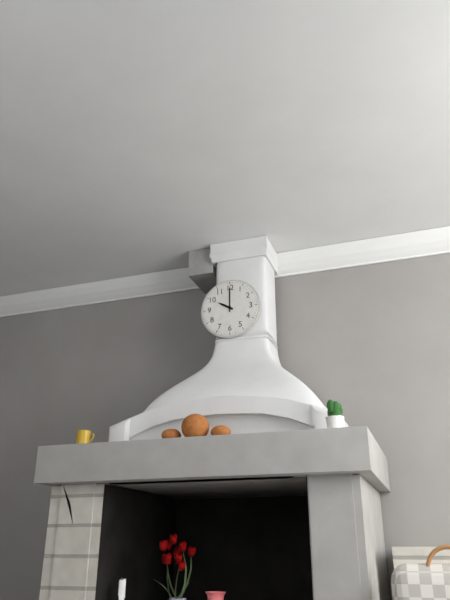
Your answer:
10 h 00 min
